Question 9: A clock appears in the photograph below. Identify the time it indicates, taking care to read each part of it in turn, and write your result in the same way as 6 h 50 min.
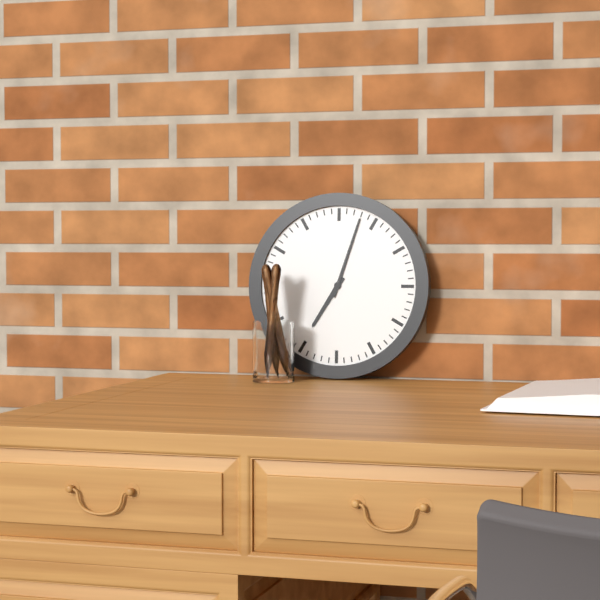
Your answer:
7 h 03 min
